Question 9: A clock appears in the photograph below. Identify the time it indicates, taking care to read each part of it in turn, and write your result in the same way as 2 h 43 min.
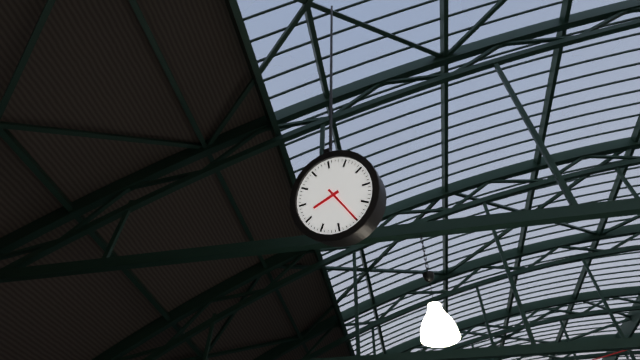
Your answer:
8 h 25 min
